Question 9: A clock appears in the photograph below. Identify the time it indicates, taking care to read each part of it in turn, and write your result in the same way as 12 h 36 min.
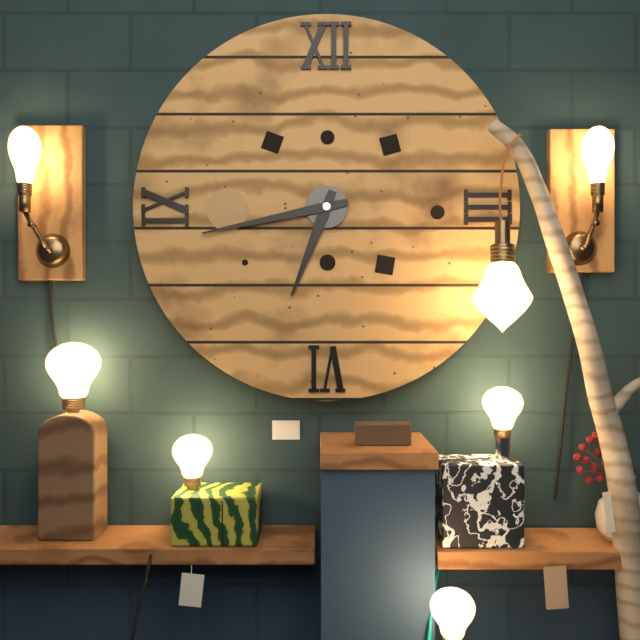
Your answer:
6 h 43 min
